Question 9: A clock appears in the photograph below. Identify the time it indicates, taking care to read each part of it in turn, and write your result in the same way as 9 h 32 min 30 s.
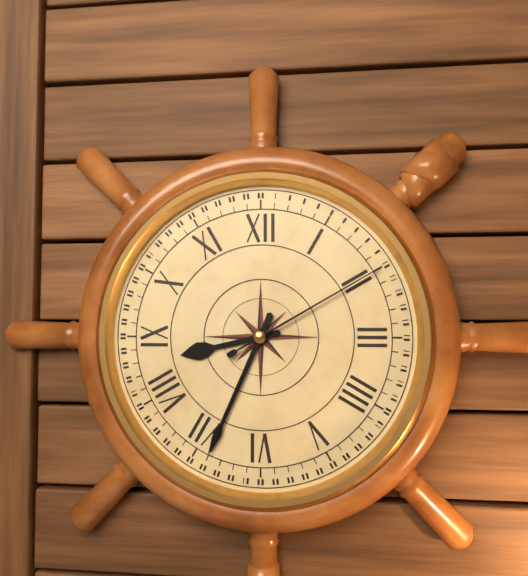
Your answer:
8 h 34 min 10 s
